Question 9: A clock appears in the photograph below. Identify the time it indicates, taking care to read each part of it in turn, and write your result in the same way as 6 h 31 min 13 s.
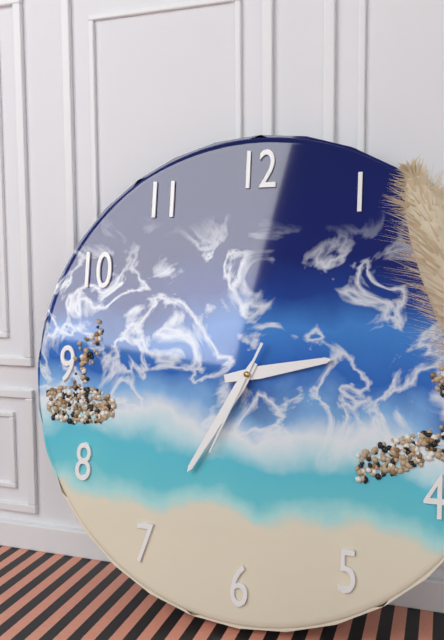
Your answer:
2 h 35 min 34 s
